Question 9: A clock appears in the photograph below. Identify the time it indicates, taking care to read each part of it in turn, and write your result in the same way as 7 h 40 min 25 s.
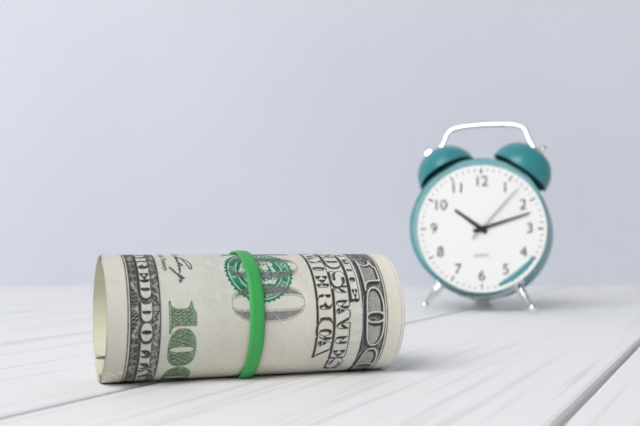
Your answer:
10 h 12 min 07 s
